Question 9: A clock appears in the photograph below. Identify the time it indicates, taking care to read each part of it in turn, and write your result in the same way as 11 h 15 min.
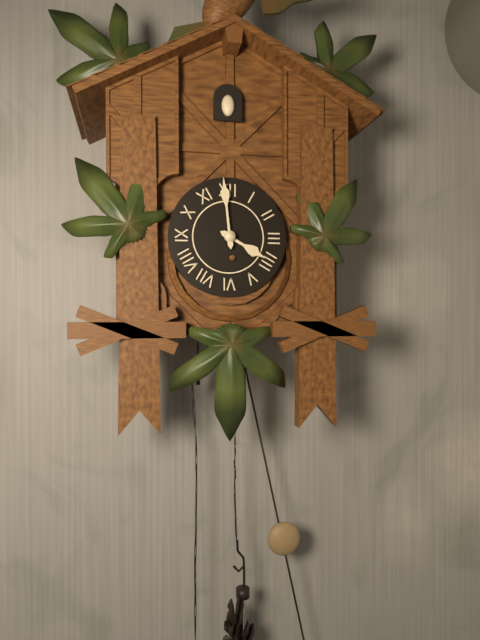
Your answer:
3 h 59 min
